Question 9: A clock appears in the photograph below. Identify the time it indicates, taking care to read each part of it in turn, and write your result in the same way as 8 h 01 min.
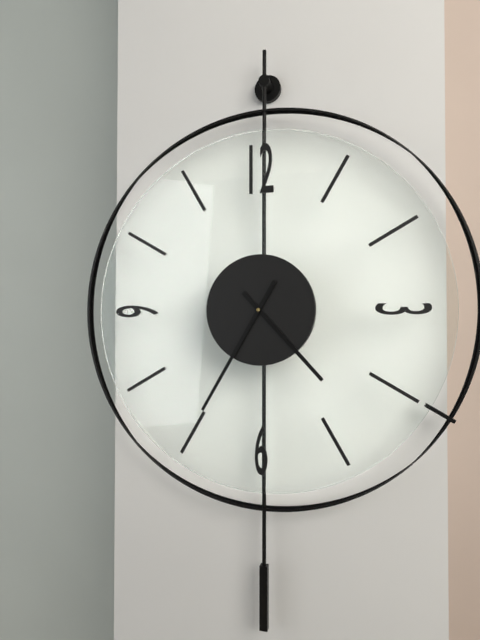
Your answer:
4 h 35 min
